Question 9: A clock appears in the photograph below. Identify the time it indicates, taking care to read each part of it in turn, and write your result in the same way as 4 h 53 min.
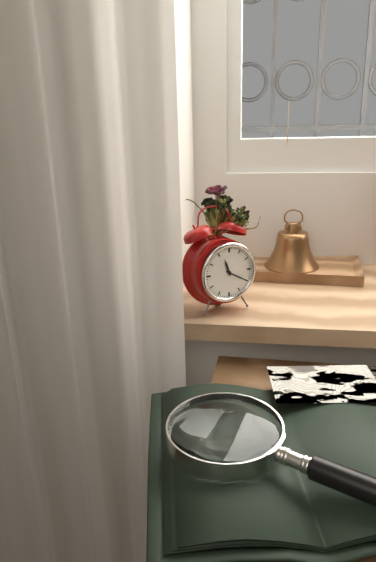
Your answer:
11 h 20 min
